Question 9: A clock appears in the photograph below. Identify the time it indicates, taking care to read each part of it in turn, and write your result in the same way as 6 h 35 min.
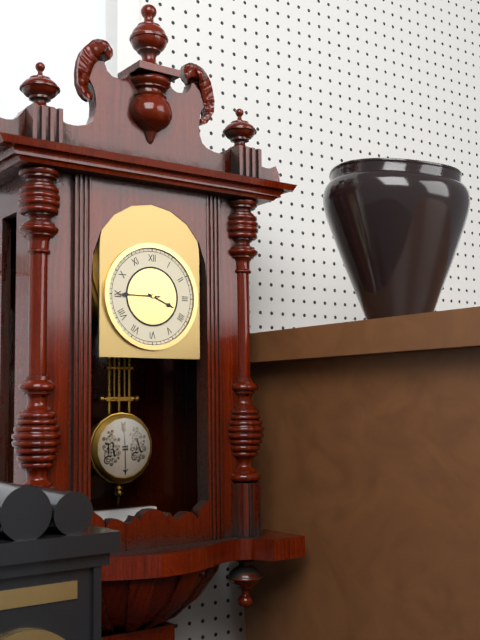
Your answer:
3 h 45 min
